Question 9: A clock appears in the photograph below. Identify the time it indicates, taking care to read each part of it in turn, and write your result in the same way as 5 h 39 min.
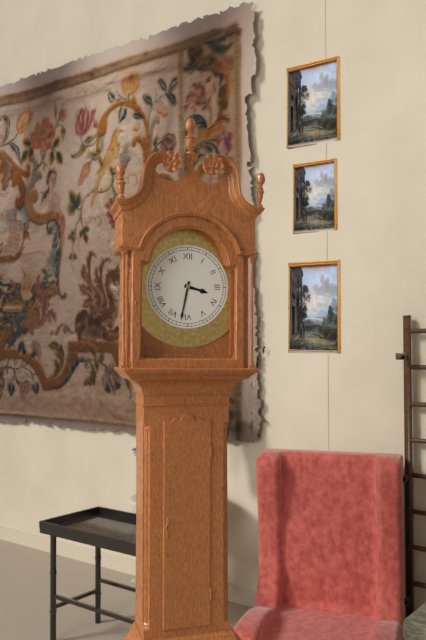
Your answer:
3 h 32 min
